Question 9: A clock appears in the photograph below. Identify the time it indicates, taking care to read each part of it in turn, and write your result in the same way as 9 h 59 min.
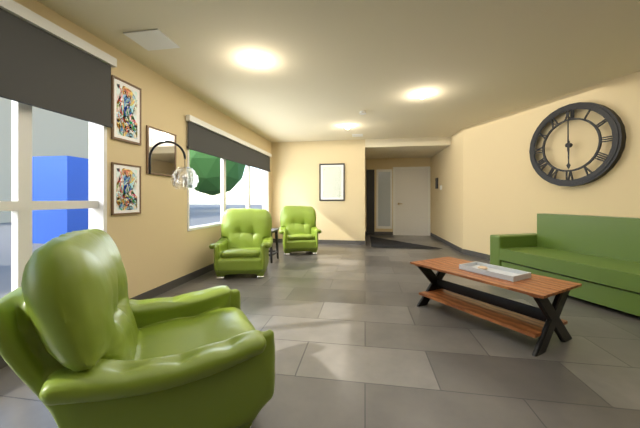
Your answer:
6 h 00 min
